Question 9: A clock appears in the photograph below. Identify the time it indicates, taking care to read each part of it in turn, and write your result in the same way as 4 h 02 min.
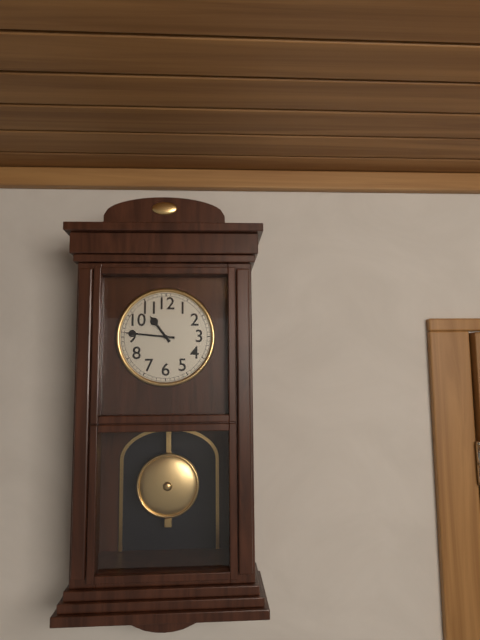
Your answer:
10 h 46 min
